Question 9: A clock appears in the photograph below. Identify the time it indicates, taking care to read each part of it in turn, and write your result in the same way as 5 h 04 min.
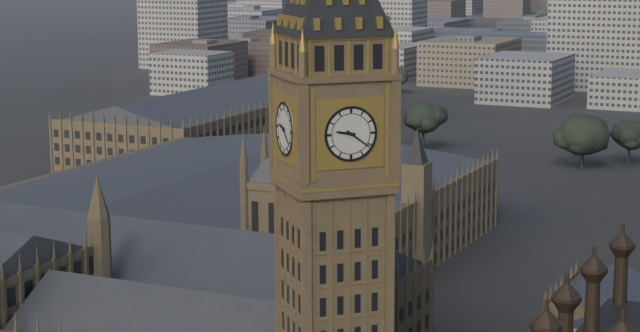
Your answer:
9 h 21 min
